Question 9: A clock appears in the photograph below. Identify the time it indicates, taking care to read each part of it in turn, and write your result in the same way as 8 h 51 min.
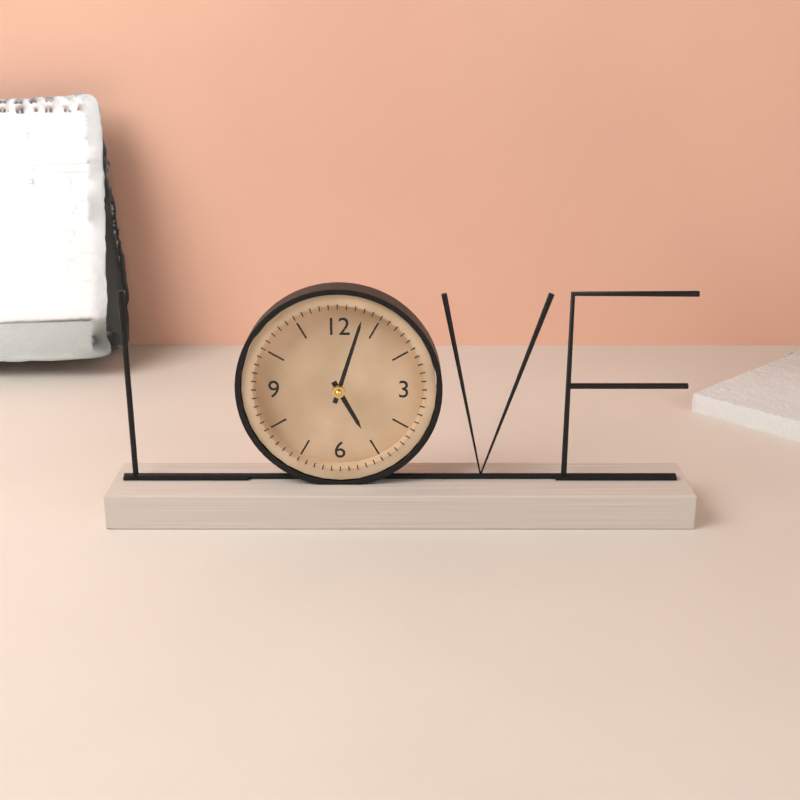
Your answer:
5 h 03 min
